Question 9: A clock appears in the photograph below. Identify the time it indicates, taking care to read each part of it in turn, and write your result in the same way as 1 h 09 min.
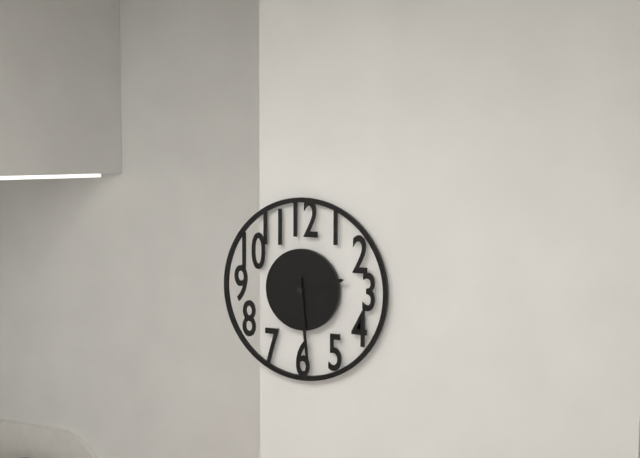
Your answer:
2 h 29 min
